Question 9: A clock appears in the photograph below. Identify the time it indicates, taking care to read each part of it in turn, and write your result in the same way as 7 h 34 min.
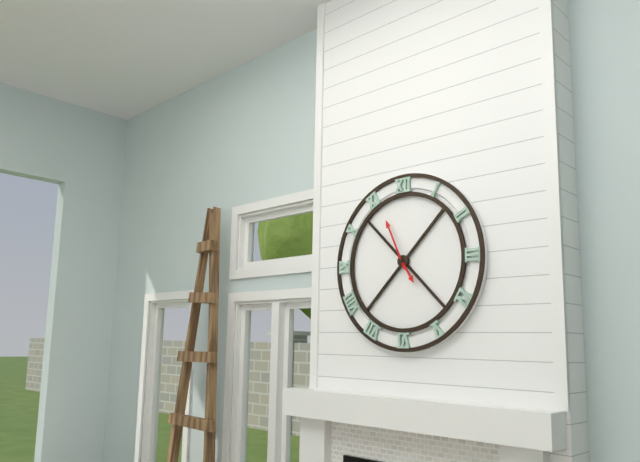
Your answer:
4 h 56 min
